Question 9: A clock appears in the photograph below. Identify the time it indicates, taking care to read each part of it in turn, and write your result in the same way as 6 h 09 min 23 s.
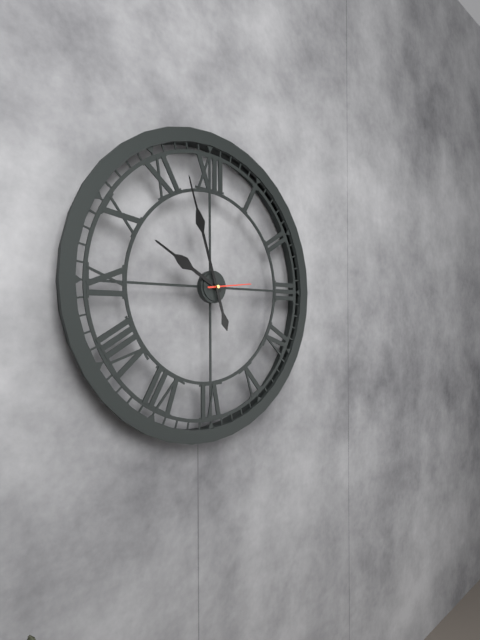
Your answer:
9 h 57 min 14 s
